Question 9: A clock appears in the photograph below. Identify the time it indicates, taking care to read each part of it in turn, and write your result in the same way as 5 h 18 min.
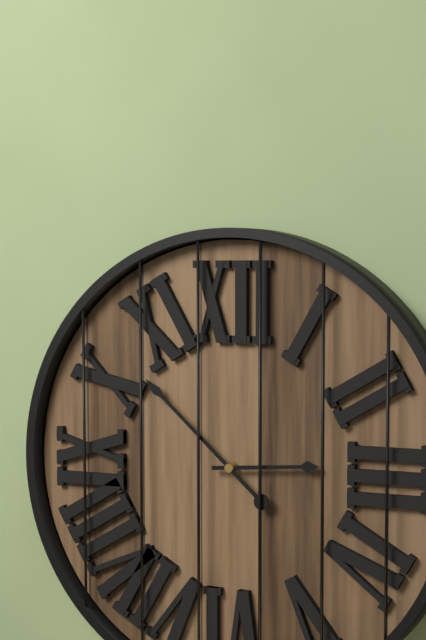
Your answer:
2 h 52 min
